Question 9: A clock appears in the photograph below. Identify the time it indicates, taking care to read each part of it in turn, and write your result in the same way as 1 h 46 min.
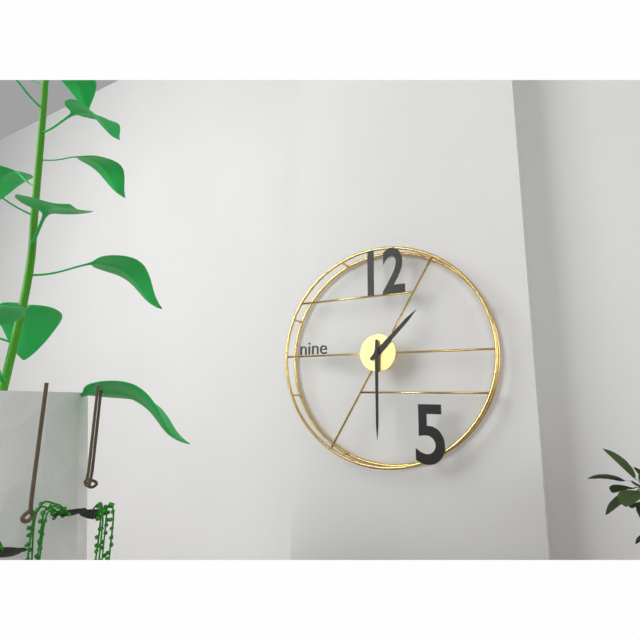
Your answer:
1 h 30 min
